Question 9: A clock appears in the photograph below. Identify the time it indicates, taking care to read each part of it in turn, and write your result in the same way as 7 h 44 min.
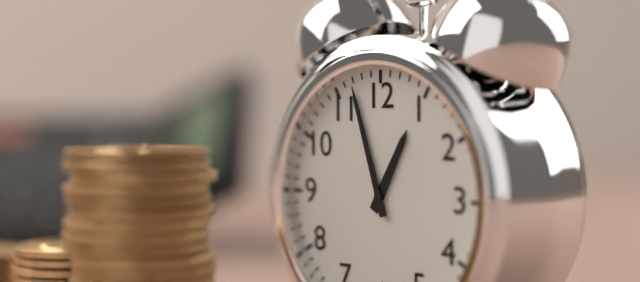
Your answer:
12 h 57 min
